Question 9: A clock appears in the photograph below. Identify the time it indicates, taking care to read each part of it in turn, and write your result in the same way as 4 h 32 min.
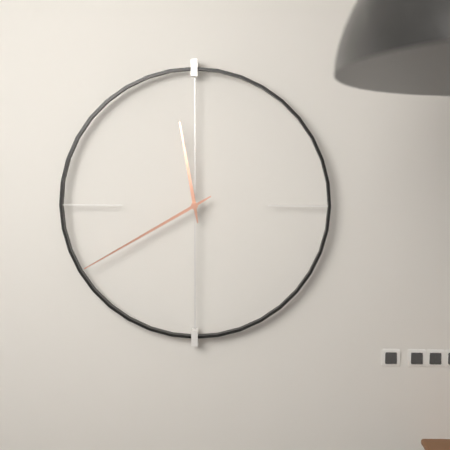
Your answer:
11 h 40 min
